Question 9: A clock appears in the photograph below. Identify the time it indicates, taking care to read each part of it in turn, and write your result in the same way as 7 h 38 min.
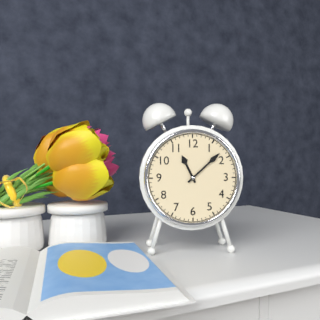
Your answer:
11 h 08 min
